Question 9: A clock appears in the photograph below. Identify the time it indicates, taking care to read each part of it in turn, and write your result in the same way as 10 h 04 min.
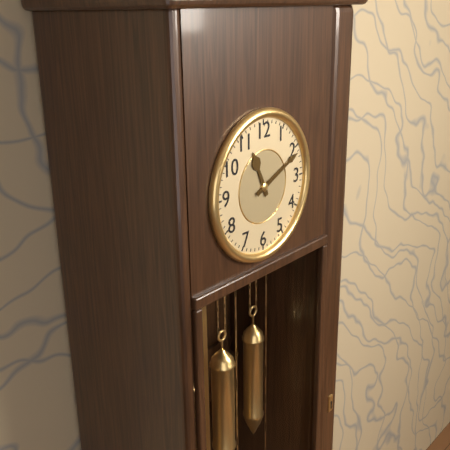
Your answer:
11 h 11 min
